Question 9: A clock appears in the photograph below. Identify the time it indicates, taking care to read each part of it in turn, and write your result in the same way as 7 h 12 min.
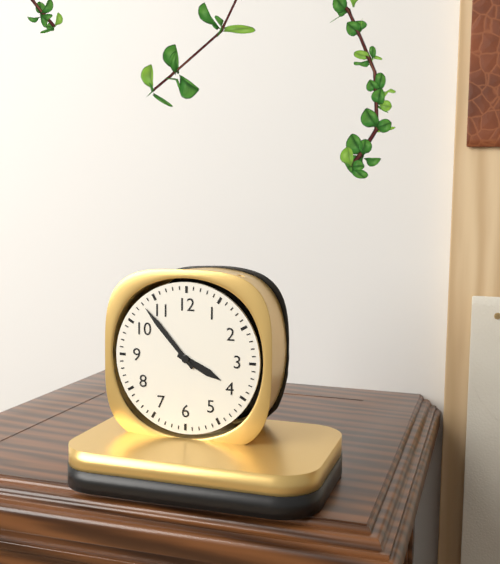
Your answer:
3 h 53 min
